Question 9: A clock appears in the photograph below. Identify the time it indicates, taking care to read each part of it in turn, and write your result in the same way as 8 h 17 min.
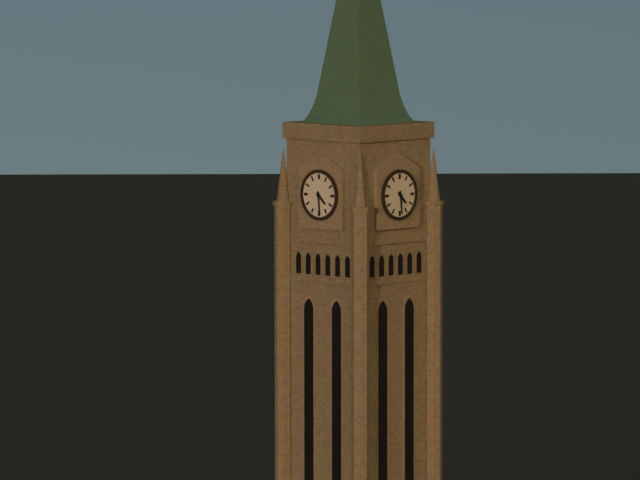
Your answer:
4 h 29 min
